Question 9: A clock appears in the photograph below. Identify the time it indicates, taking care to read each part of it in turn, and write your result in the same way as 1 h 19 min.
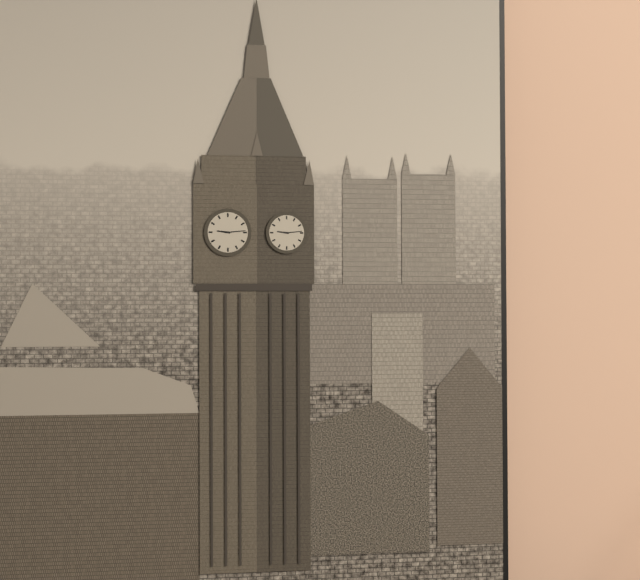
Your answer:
9 h 14 min
